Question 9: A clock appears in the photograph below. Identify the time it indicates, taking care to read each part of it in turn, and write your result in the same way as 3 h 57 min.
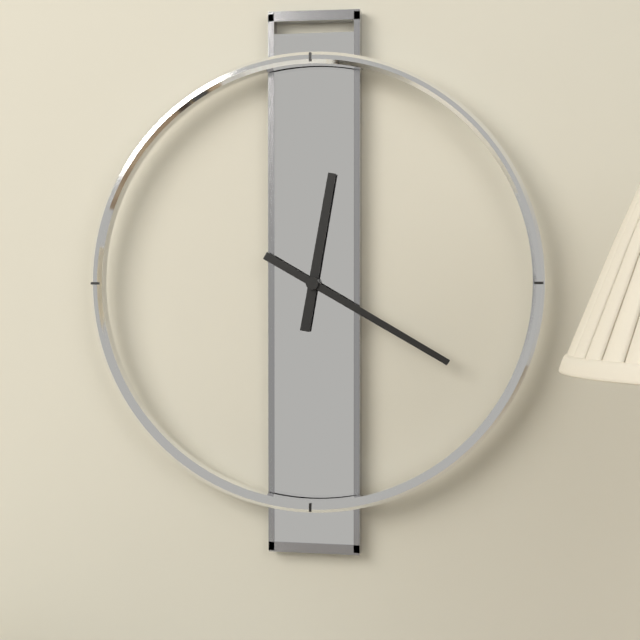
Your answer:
12 h 20 min
